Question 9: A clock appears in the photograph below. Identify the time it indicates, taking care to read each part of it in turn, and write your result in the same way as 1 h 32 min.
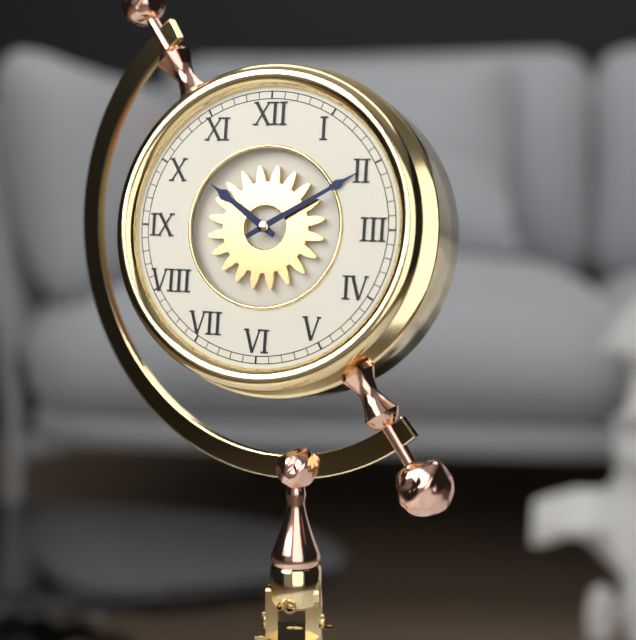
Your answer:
10 h 10 min
